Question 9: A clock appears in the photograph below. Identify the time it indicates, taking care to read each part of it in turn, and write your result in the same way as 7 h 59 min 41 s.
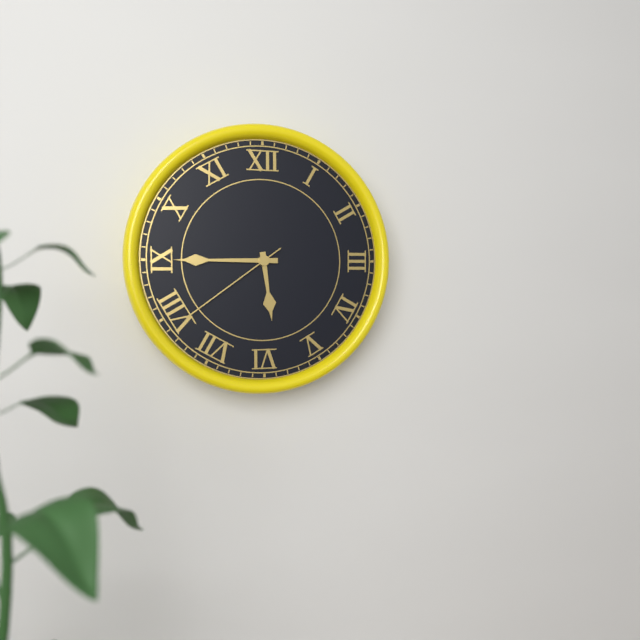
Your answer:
5 h 45 min 39 s
